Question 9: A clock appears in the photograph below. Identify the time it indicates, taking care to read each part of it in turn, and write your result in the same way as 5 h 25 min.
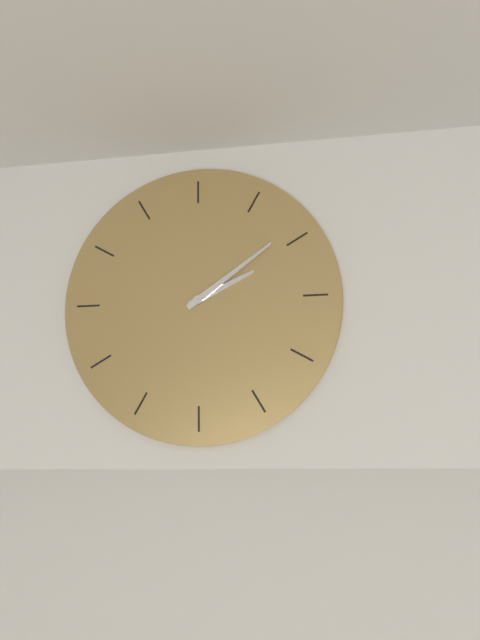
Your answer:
2 h 09 min
